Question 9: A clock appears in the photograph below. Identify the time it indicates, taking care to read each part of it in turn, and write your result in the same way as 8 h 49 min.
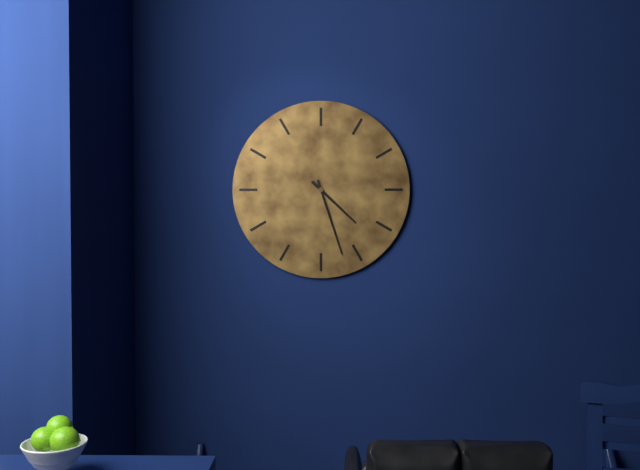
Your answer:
4 h 27 min
